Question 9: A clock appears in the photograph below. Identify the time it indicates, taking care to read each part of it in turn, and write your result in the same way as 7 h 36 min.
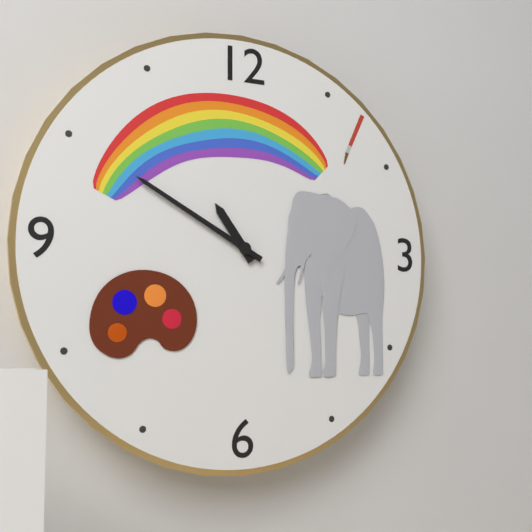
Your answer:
10 h 50 min
